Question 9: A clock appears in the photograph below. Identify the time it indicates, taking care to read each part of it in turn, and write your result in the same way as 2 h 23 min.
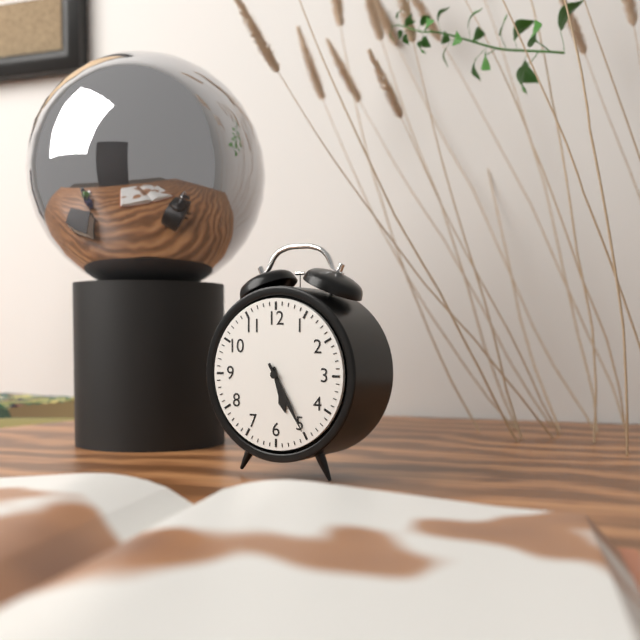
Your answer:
5 h 25 min
